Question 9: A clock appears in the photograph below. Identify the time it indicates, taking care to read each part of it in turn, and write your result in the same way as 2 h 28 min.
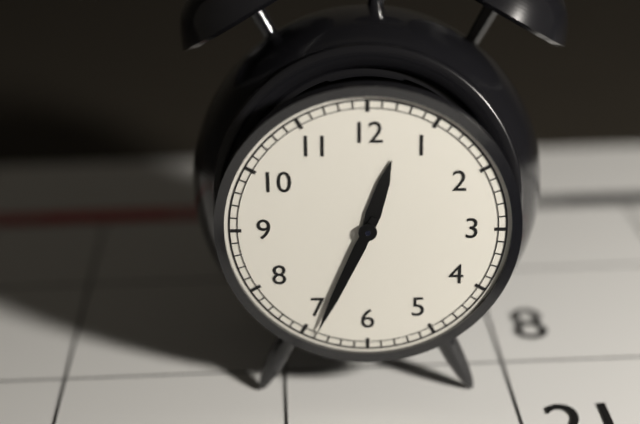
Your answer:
12 h 34 min
